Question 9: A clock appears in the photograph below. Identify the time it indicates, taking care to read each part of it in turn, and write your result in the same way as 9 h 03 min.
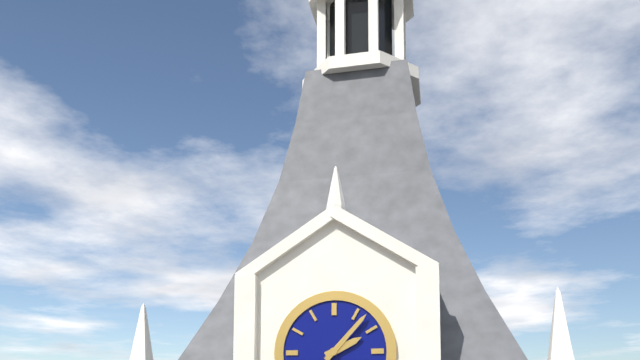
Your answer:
2 h 07 min
